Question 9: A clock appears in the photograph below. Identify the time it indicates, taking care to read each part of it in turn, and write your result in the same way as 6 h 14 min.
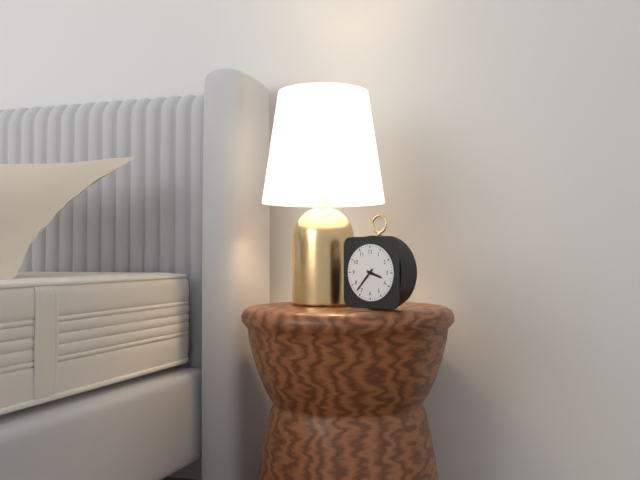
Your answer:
3 h 37 min
